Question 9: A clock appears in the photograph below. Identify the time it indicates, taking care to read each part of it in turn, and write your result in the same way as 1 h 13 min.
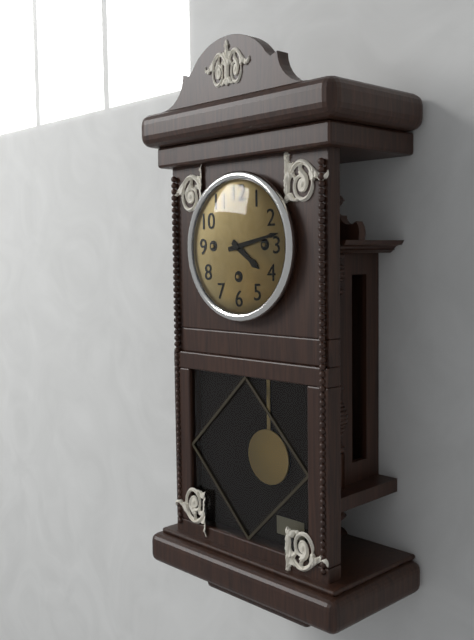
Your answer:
4 h 13 min
